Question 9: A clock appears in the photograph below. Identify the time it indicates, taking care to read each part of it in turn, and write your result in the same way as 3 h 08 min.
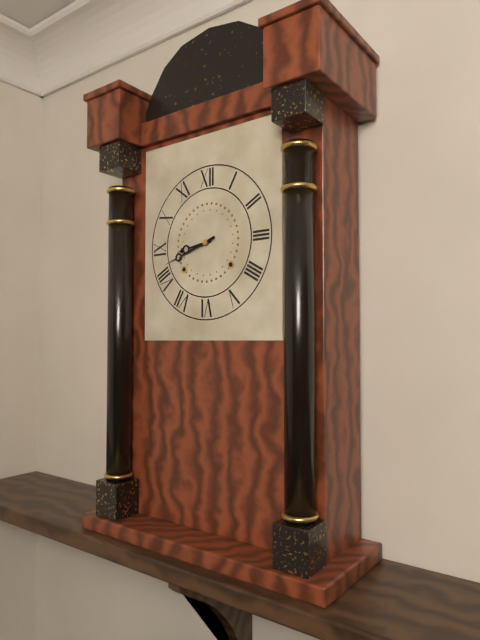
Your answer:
8 h 42 min
